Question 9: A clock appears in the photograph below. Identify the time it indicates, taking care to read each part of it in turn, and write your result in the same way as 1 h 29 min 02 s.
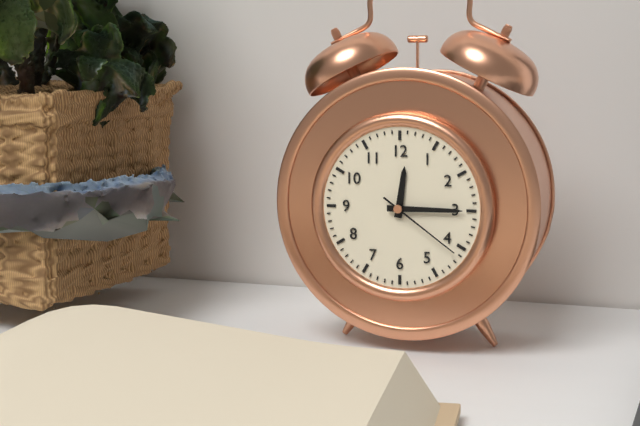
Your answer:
12 h 15 min 21 s
